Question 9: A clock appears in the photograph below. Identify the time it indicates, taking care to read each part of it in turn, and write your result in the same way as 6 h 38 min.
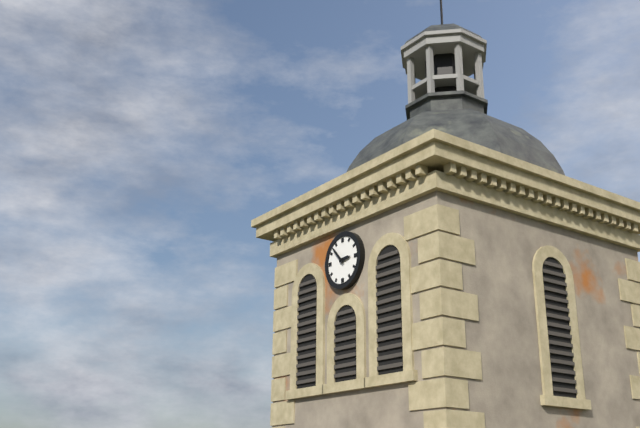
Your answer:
2 h 53 min
